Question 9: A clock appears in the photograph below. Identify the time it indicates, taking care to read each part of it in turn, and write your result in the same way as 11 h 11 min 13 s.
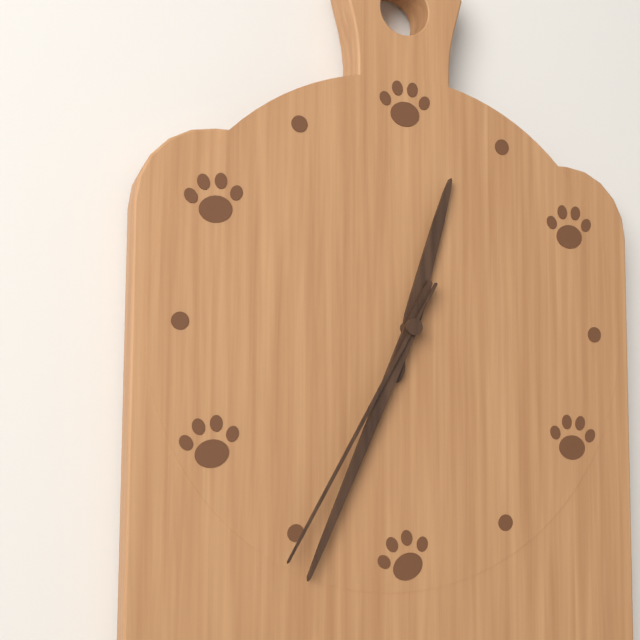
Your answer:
12 h 34 min 35 s
